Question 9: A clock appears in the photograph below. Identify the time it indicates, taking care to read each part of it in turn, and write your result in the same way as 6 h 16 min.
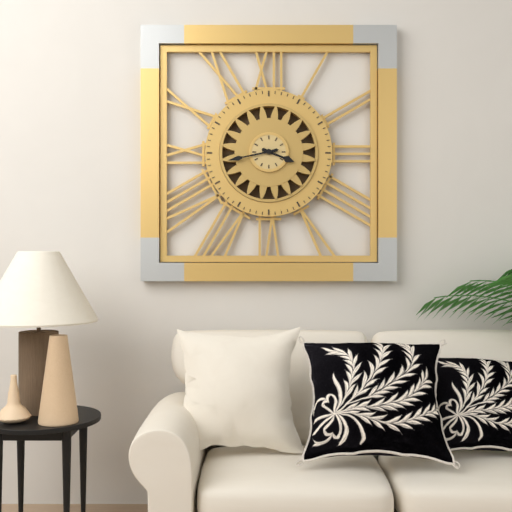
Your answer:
3 h 43 min
